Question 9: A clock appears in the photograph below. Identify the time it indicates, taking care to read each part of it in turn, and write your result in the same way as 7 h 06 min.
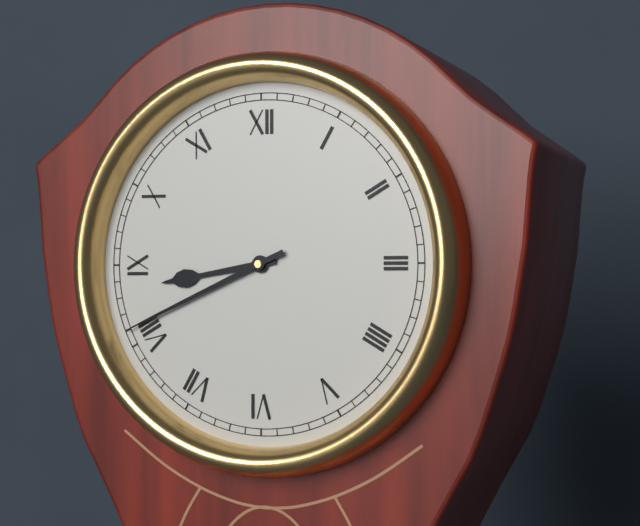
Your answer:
8 h 41 min
